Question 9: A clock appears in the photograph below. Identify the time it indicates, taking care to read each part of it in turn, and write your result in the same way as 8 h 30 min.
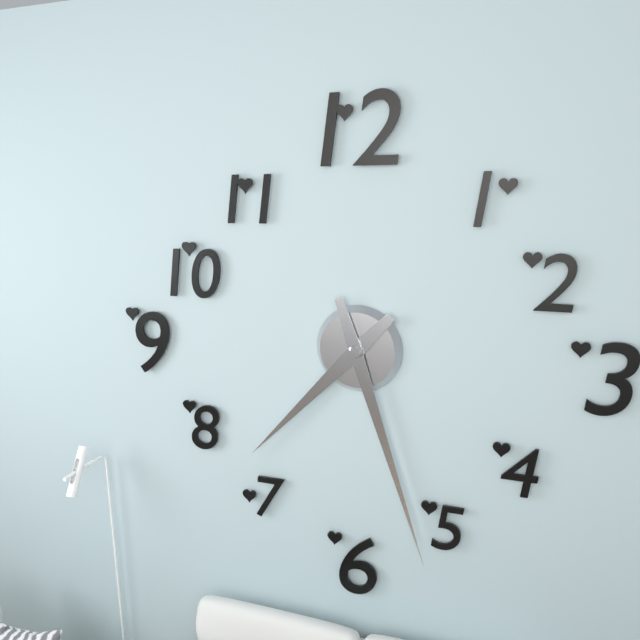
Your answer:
7 h 27 min
